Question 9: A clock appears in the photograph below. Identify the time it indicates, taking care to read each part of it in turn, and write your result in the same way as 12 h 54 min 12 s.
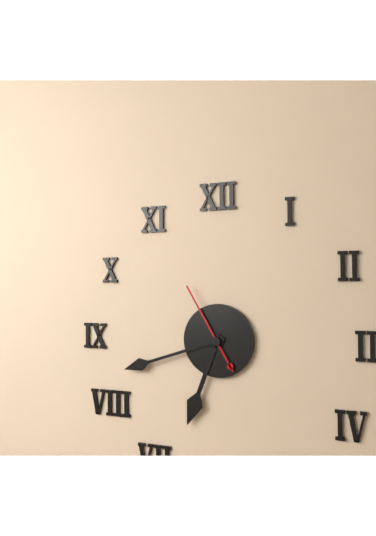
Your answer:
6 h 42 min 55 s
